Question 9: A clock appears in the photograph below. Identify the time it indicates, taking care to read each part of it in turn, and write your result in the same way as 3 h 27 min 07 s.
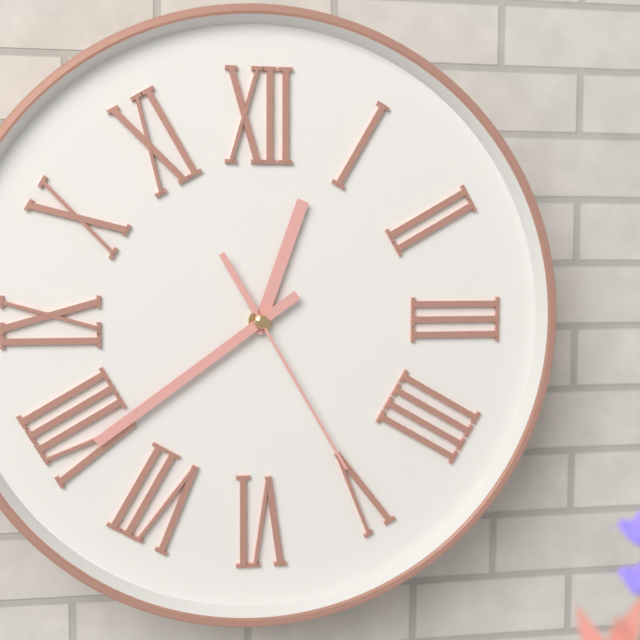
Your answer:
12 h 39 min 25 s
